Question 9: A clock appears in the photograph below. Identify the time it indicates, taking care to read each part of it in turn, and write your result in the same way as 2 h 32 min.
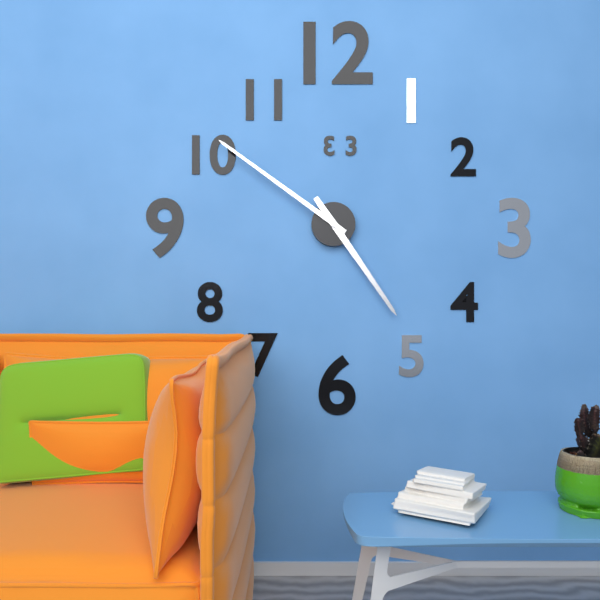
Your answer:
4 h 51 min
